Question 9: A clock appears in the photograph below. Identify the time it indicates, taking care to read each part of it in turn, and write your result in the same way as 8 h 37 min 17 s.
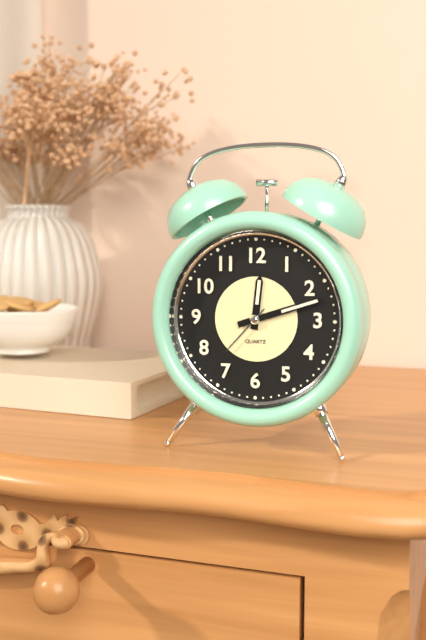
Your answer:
12 h 12 min 37 s
